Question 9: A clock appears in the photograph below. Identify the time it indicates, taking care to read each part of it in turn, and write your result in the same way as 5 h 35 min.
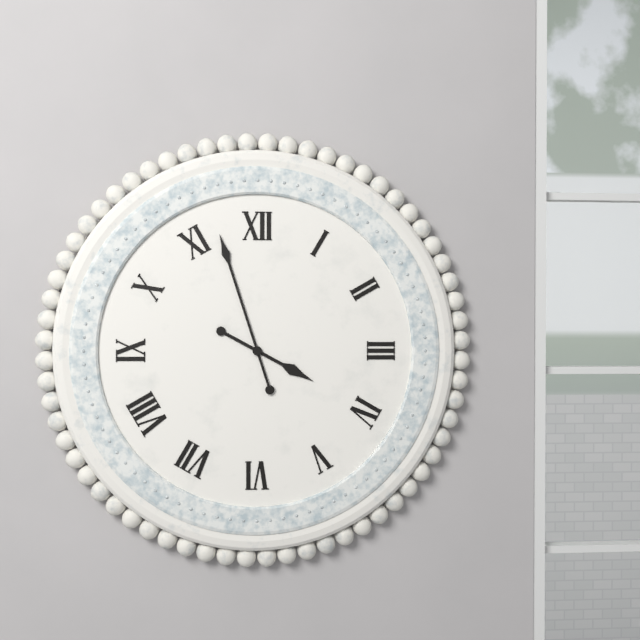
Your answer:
3 h 57 min
